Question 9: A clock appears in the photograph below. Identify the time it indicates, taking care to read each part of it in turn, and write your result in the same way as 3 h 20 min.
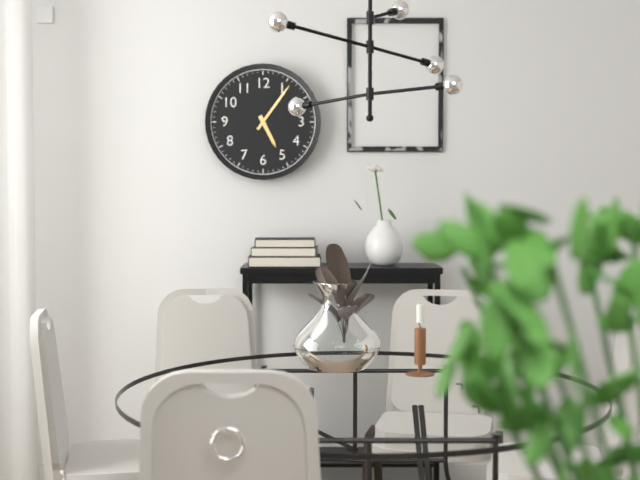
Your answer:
5 h 06 min
